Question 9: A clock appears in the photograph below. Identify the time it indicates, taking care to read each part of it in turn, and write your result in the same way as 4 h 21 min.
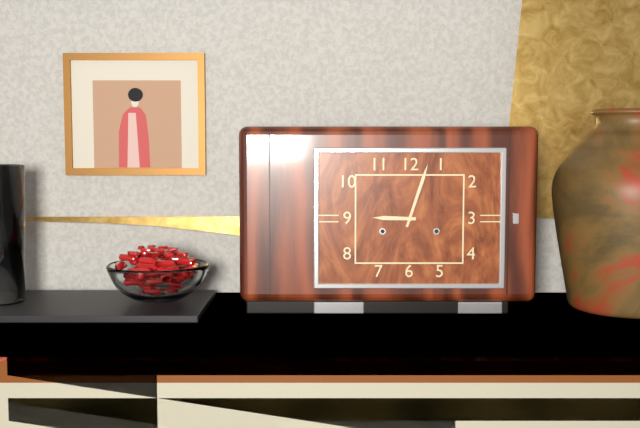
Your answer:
9 h 03 min
